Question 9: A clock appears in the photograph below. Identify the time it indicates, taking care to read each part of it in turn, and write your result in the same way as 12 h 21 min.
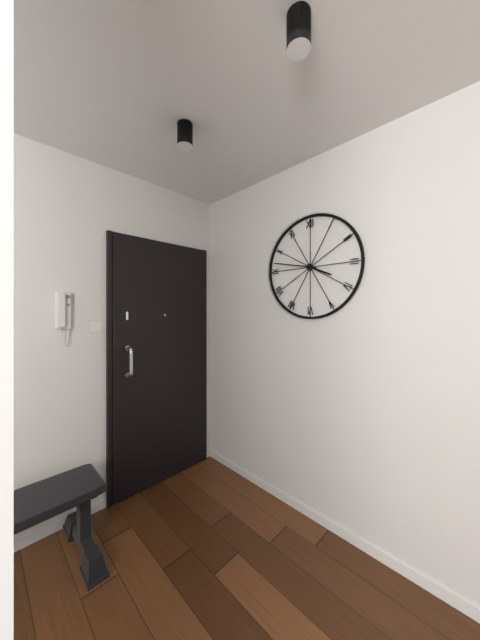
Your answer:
3 h 47 min
